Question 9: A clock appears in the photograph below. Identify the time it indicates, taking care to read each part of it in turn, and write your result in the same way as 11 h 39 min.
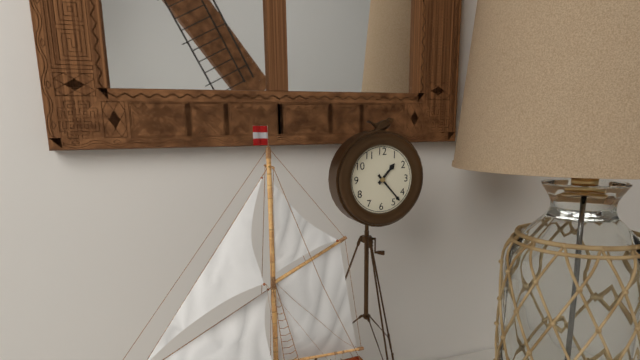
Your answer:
1 h 23 min
